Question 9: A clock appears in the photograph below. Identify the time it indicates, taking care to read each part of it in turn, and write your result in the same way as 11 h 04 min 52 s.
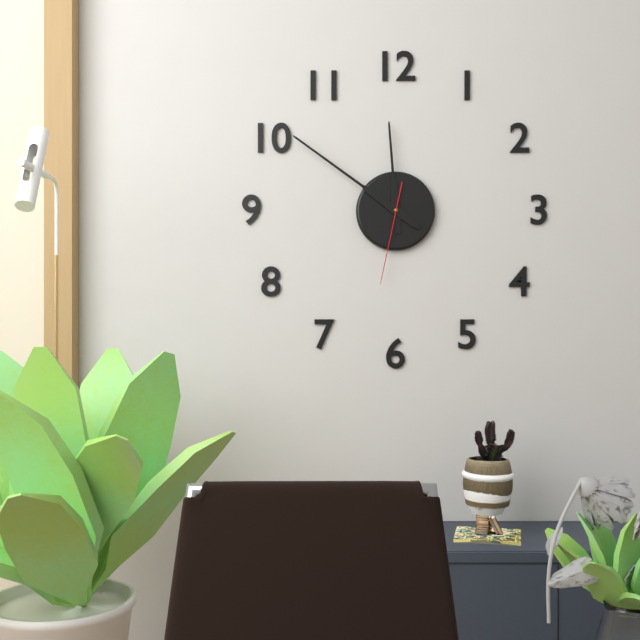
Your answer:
11 h 51 min 32 s
